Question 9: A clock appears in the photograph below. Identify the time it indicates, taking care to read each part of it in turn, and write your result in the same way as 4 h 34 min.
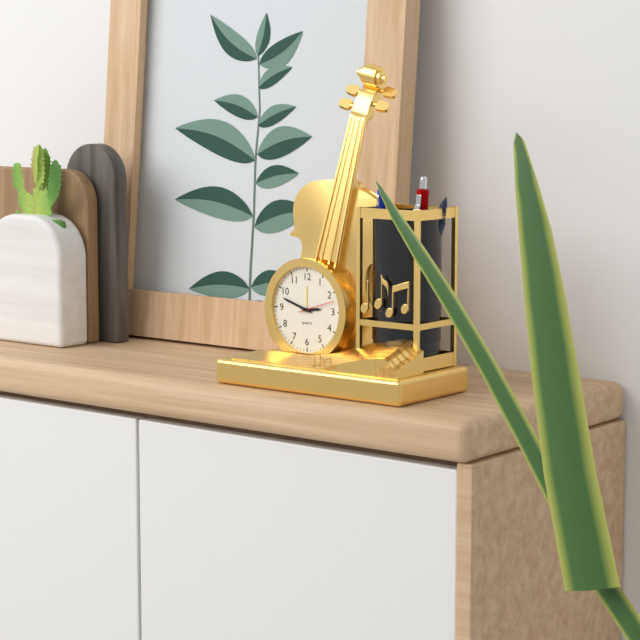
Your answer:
2 h 48 min
